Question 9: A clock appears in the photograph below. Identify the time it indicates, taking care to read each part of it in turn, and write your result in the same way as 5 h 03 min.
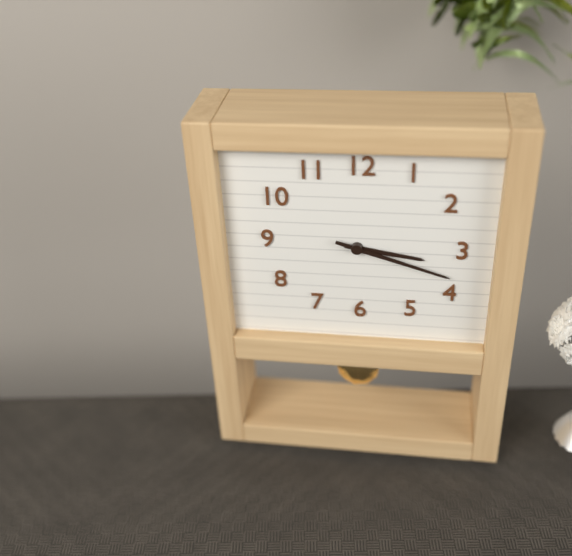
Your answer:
3 h 18 min
